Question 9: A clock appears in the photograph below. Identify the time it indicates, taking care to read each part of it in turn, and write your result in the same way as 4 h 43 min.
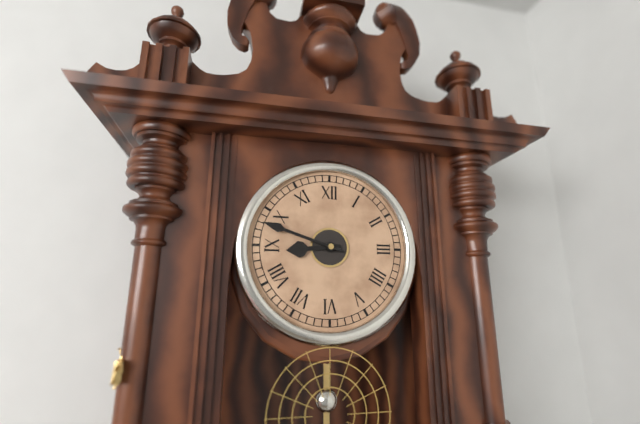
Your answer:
8 h 48 min
